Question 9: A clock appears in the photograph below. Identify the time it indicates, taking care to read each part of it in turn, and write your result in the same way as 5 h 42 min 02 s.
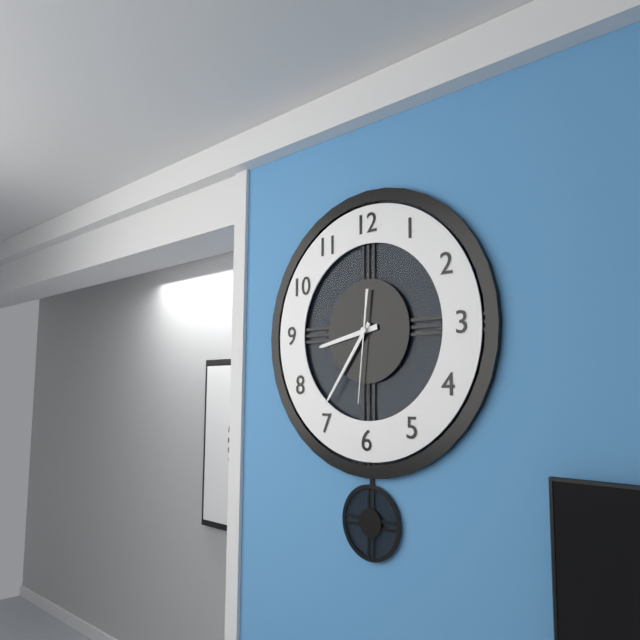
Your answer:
8 h 36 min 31 s
